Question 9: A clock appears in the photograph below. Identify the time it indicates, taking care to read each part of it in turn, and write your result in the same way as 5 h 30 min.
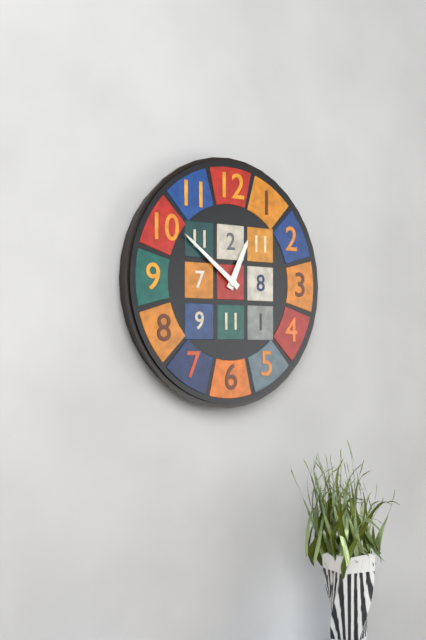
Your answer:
12 h 51 min
